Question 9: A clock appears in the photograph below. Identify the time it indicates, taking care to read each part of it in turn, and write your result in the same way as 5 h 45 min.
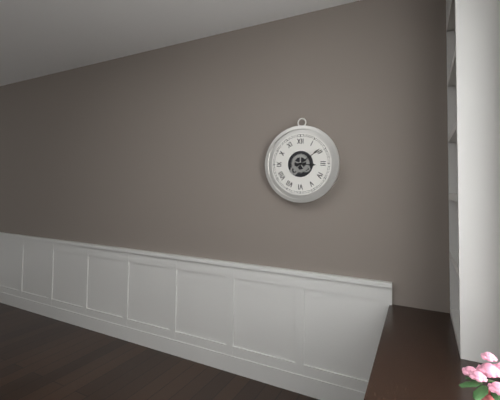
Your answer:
3 h 09 min
